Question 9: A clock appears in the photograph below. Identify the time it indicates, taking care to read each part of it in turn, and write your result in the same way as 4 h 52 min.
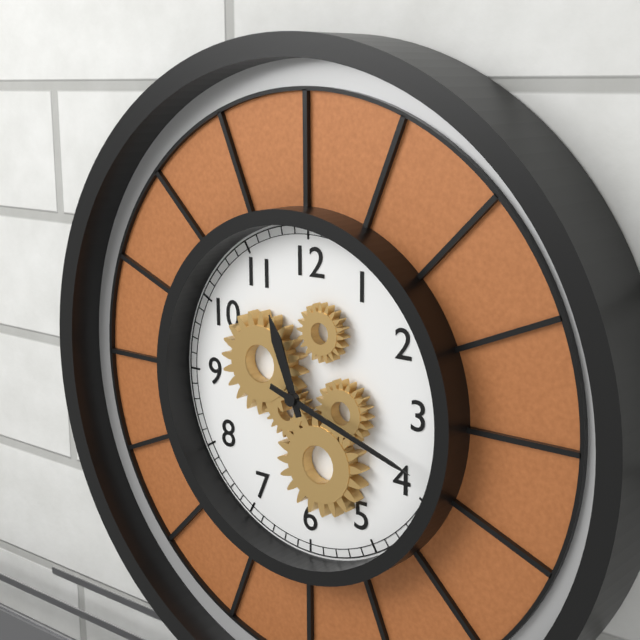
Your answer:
11 h 18 min
